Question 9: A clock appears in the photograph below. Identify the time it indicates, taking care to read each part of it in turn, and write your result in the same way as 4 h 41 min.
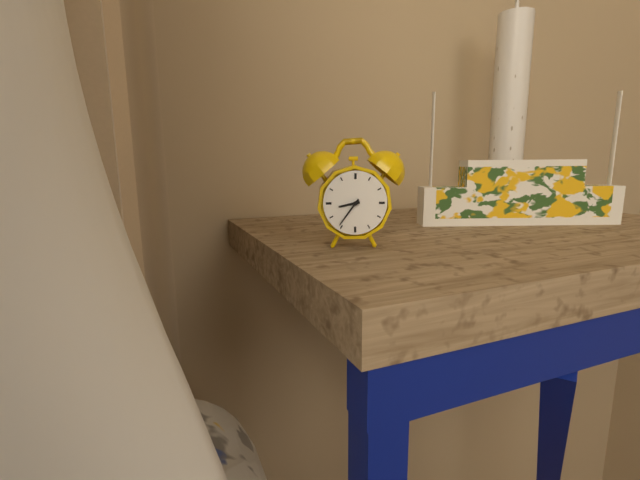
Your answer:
8 h 36 min
